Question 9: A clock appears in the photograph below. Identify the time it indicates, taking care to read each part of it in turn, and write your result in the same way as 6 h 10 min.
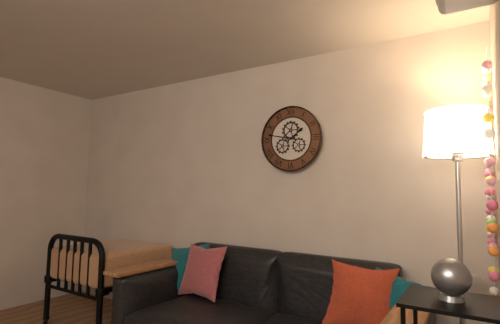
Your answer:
1 h 47 min
